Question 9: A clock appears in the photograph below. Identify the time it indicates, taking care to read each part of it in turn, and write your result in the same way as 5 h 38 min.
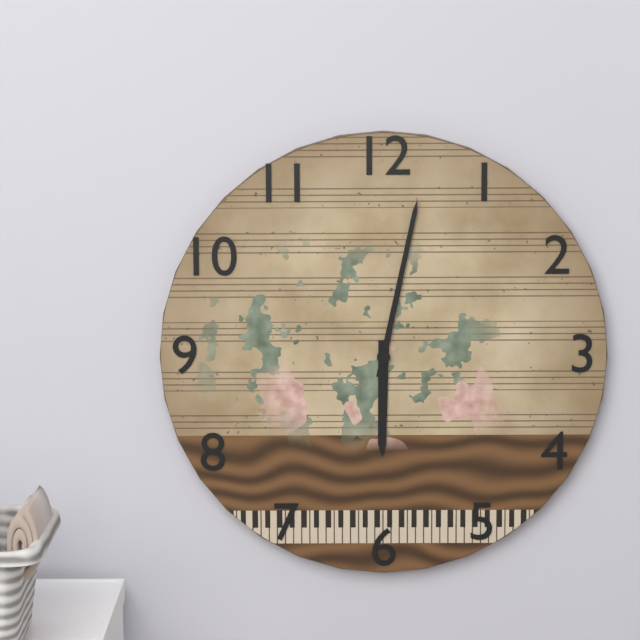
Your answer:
6 h 02 min
